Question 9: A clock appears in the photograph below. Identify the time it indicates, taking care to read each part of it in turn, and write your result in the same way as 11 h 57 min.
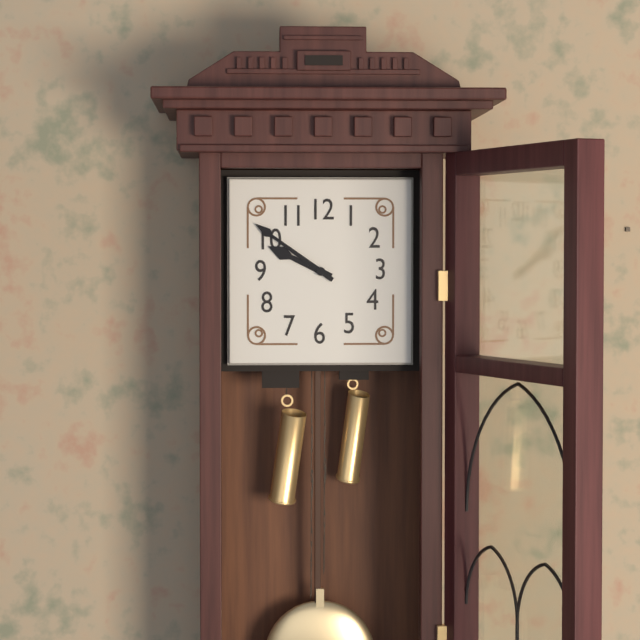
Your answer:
9 h 51 min
